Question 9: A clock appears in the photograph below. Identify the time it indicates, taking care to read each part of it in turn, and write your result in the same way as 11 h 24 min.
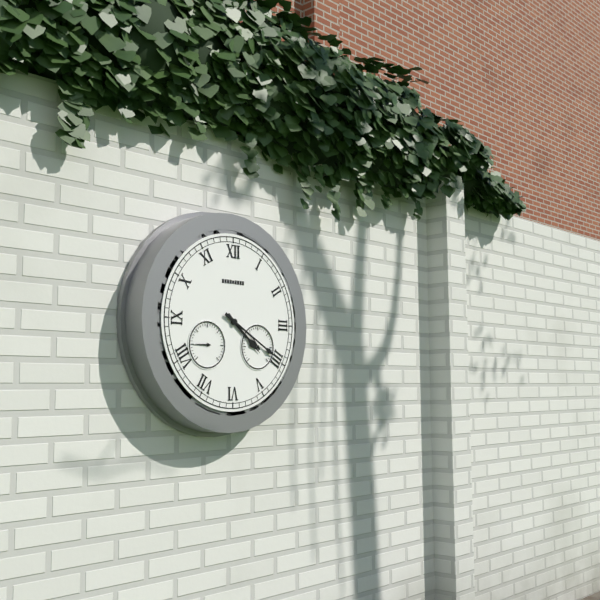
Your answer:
4 h 20 min
